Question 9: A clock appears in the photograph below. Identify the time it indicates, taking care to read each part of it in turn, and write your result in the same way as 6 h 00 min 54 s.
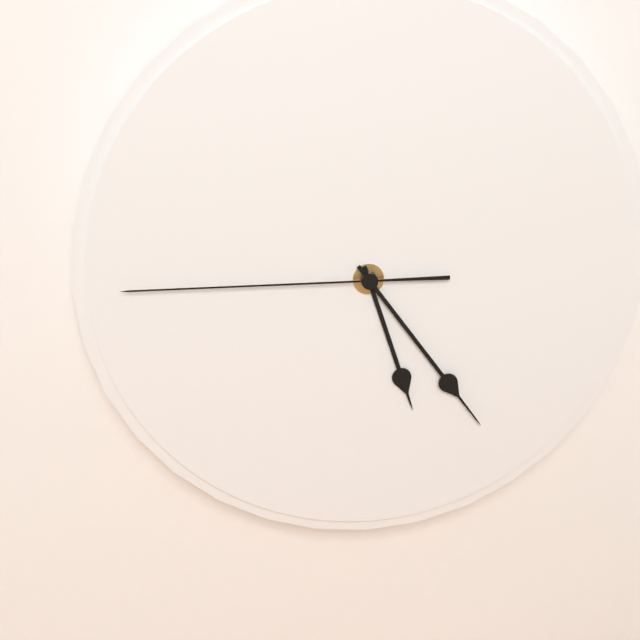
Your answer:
5 h 24 min 45 s
